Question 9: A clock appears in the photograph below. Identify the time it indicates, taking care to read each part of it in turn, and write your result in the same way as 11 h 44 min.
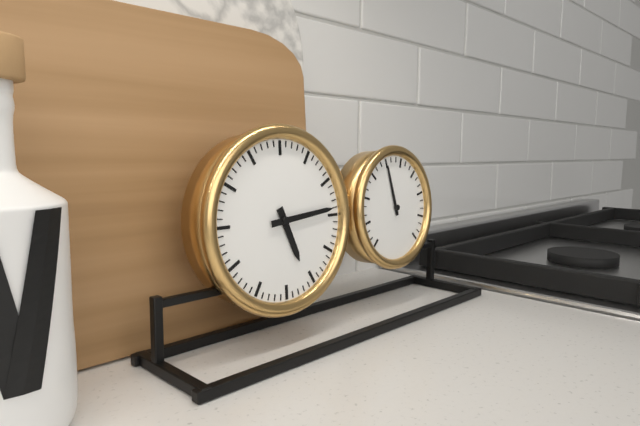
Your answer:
5 h 14 min
